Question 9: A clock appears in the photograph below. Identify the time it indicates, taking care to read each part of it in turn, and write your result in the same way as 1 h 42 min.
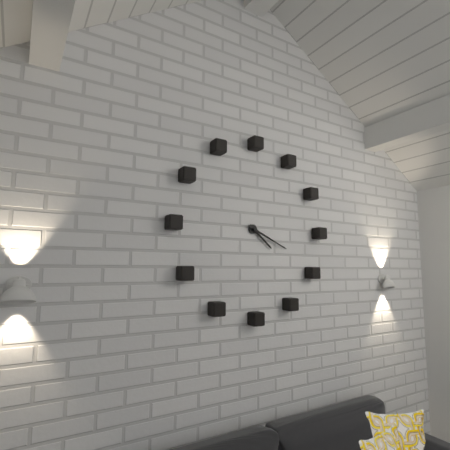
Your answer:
4 h 19 min
